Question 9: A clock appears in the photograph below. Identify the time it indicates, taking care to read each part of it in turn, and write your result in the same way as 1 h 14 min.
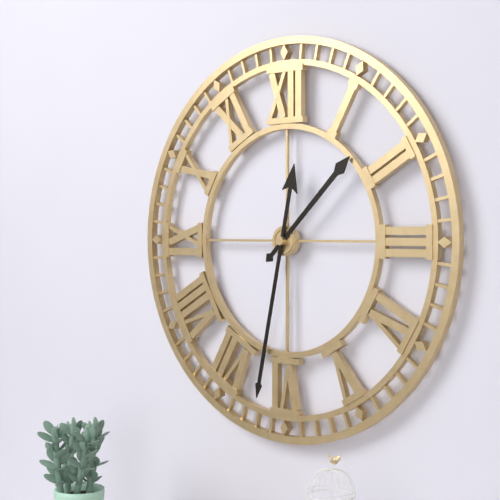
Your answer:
1 h 32 min
